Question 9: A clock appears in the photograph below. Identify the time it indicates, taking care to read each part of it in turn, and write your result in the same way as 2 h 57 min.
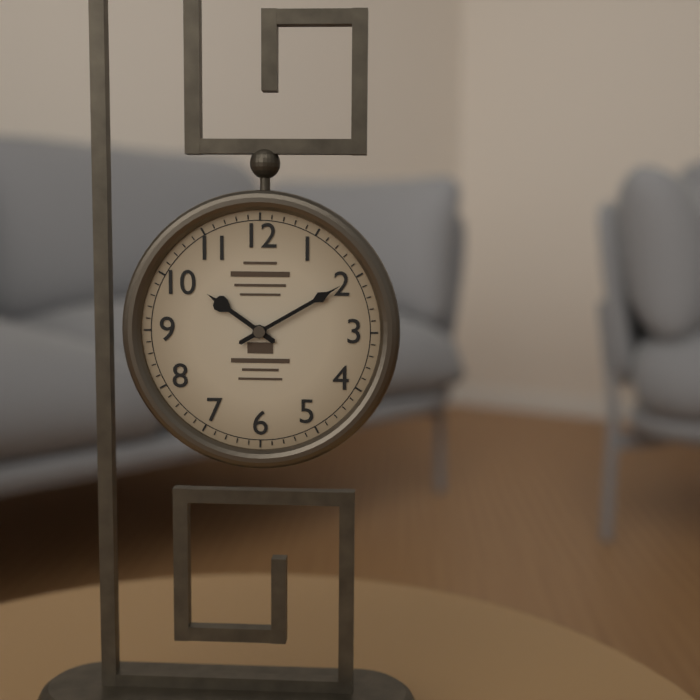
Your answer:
10 h 10 min
